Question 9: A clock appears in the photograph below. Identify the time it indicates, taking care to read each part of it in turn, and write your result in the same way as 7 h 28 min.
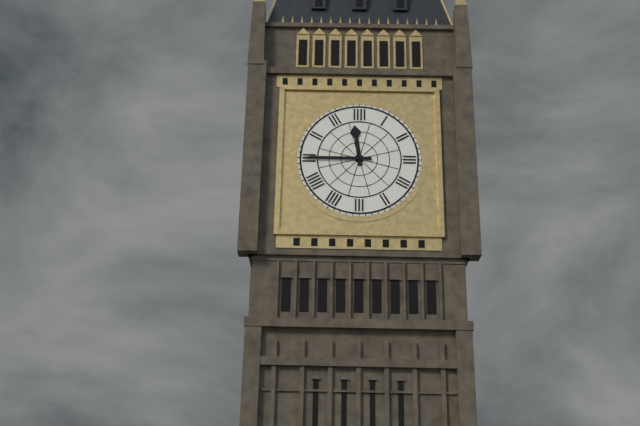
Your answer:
11 h 45 min
